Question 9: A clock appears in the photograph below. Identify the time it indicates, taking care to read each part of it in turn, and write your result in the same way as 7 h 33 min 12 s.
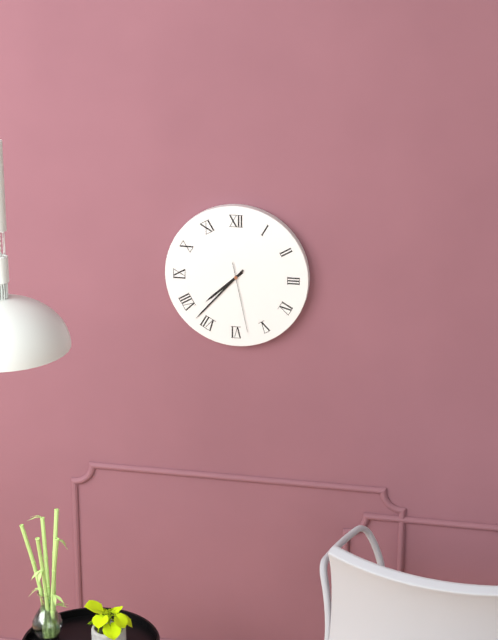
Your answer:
7 h 37 min 28 s
